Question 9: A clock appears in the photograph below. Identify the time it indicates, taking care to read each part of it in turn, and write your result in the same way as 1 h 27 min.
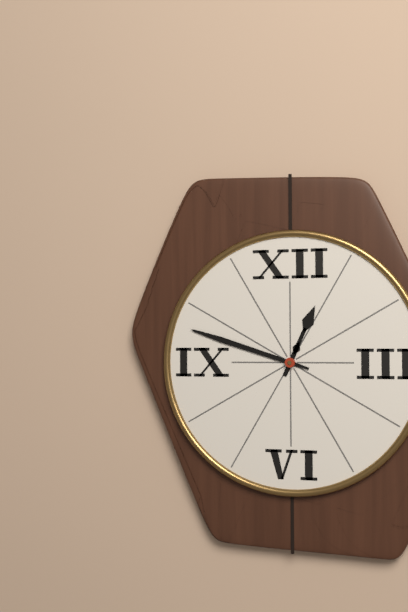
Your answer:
12 h 48 min
